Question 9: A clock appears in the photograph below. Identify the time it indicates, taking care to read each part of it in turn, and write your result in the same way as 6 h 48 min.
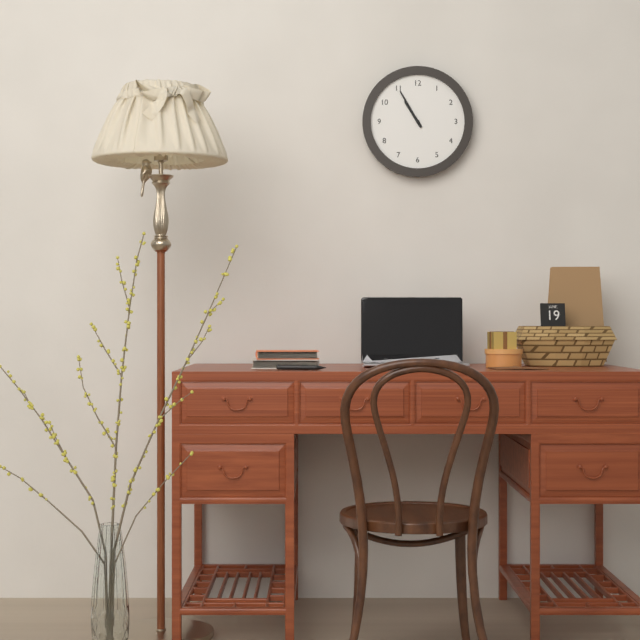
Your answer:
10 h 55 min
